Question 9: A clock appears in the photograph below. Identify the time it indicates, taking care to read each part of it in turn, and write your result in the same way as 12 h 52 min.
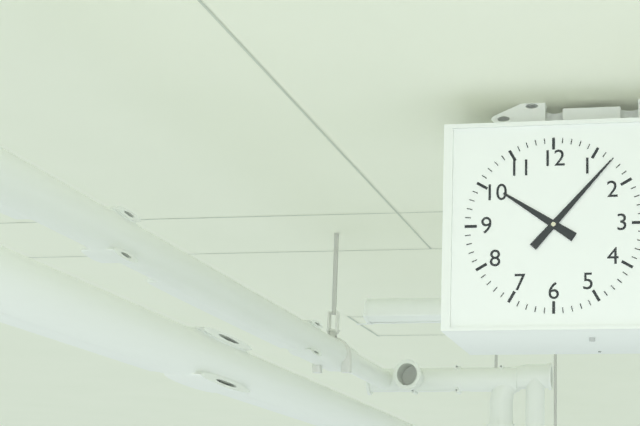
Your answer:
10 h 07 min
